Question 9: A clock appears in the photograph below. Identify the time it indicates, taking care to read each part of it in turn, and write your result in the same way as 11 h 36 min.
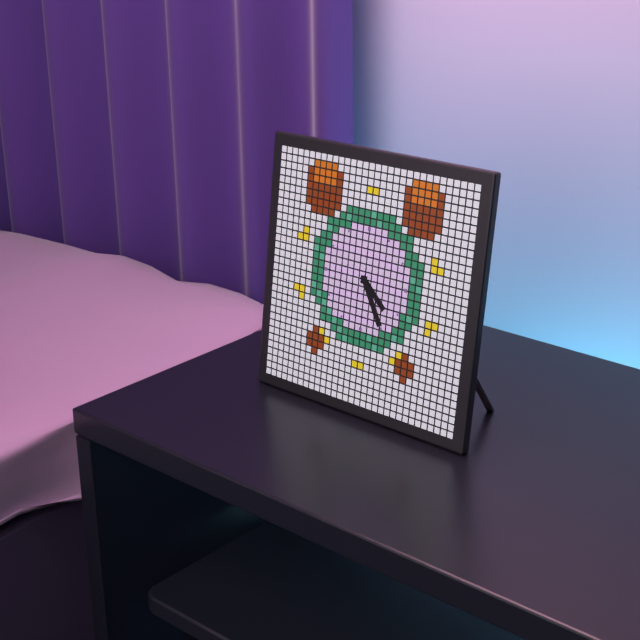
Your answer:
4 h 25 min
